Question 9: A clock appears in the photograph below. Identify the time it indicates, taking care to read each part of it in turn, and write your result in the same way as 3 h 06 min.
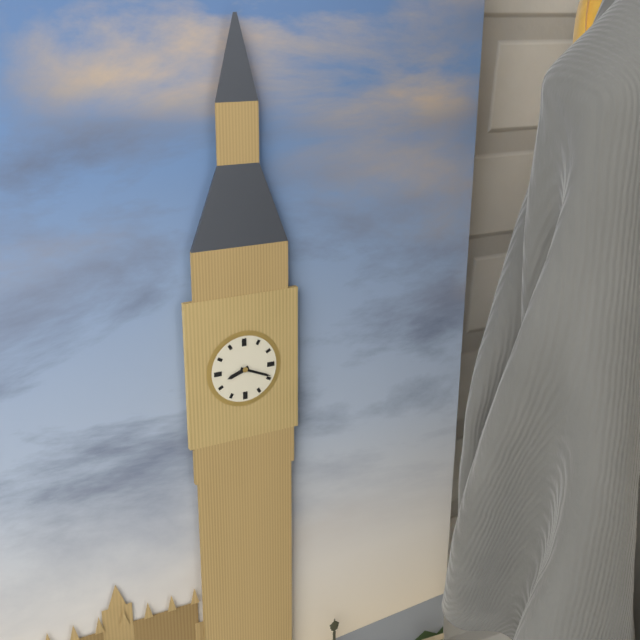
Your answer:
8 h 19 min
